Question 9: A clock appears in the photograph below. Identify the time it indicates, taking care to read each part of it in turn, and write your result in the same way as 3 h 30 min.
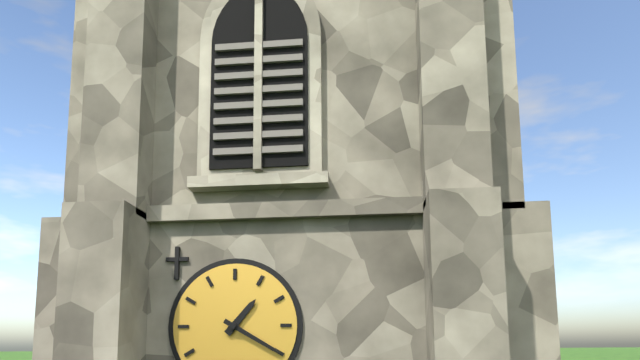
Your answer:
1 h 20 min
